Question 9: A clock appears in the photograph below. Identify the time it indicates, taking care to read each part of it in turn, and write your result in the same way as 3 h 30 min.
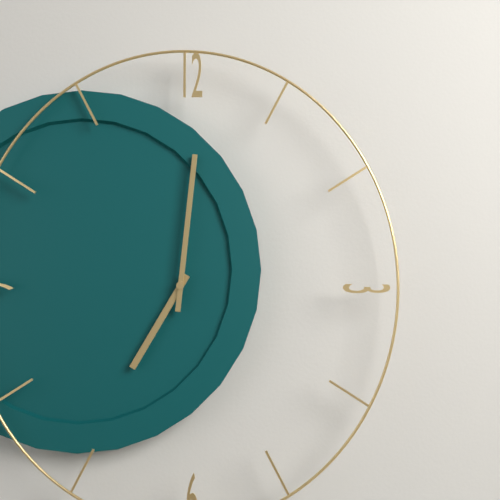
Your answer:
7 h 01 min
